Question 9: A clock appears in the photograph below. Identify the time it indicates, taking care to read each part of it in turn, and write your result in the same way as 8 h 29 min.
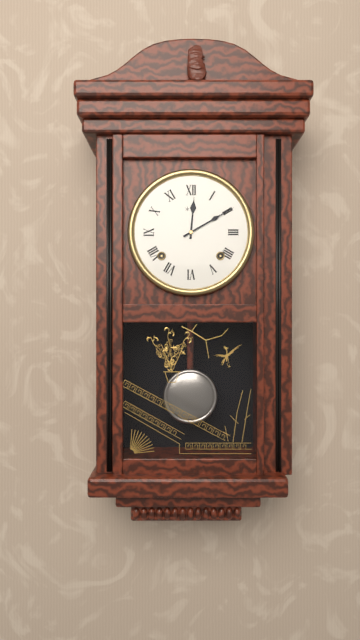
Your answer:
12 h 10 min
